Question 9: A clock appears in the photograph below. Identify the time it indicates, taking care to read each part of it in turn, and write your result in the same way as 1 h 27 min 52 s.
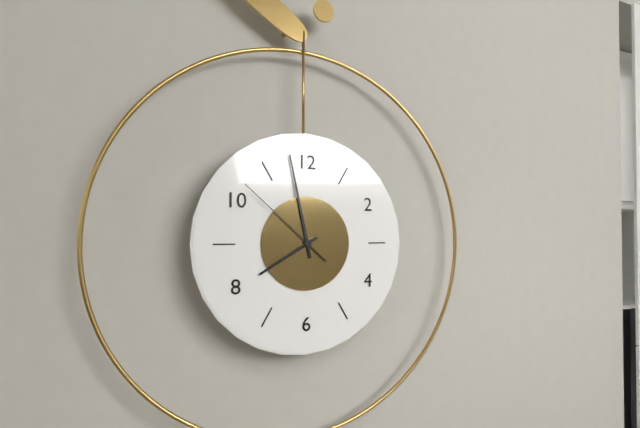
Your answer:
7 h 58 min 52 s
